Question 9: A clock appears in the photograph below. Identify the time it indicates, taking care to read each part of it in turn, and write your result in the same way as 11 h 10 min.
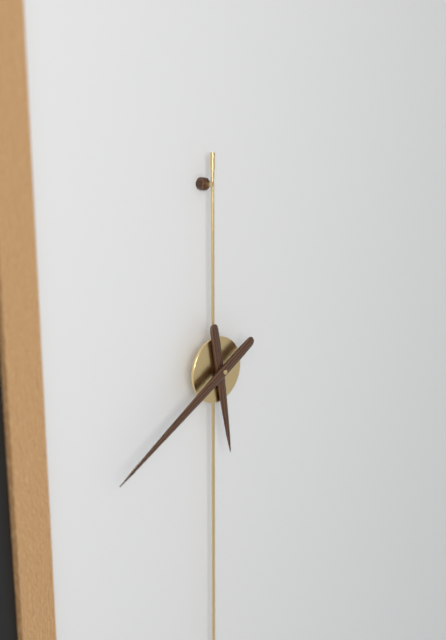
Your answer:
5 h 40 min
